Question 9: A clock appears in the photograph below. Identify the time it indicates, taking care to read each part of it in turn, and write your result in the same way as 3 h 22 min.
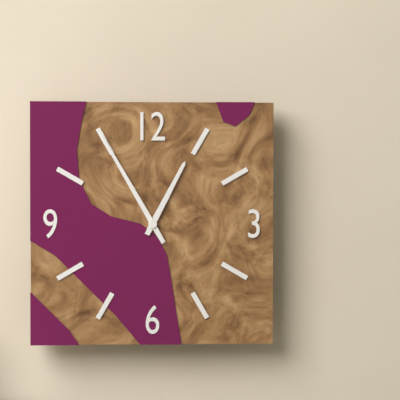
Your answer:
12 h 55 min
